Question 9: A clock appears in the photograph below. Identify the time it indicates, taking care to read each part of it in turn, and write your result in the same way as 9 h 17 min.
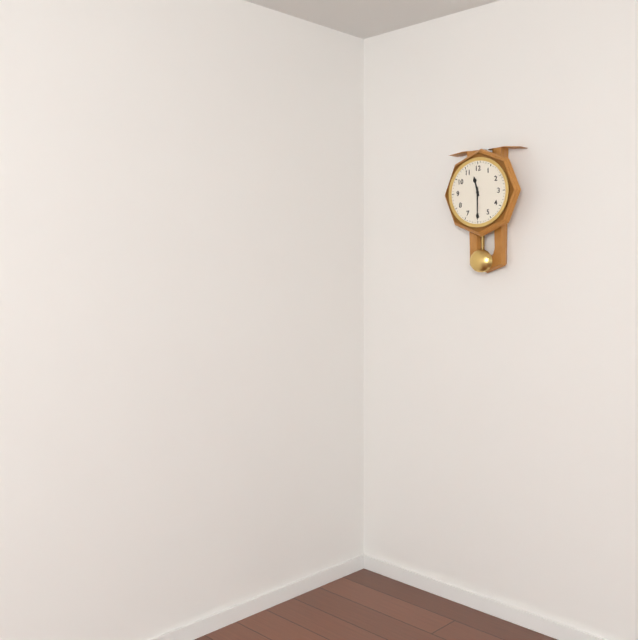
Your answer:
11 h 30 min
